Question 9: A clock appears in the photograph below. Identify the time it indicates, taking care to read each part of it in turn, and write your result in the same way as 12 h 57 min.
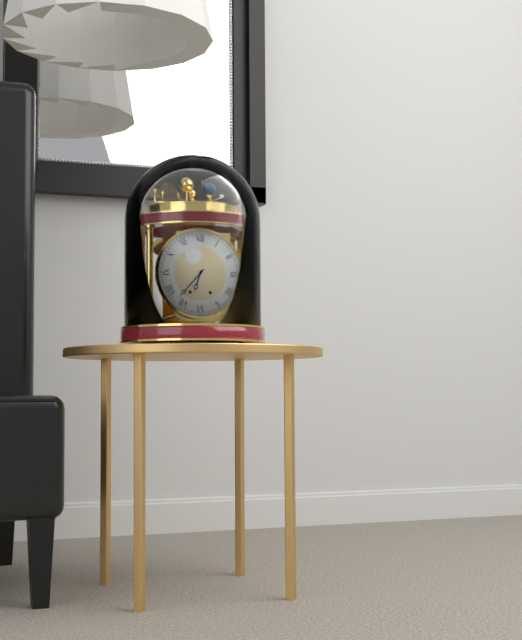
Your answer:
6 h 37 min
